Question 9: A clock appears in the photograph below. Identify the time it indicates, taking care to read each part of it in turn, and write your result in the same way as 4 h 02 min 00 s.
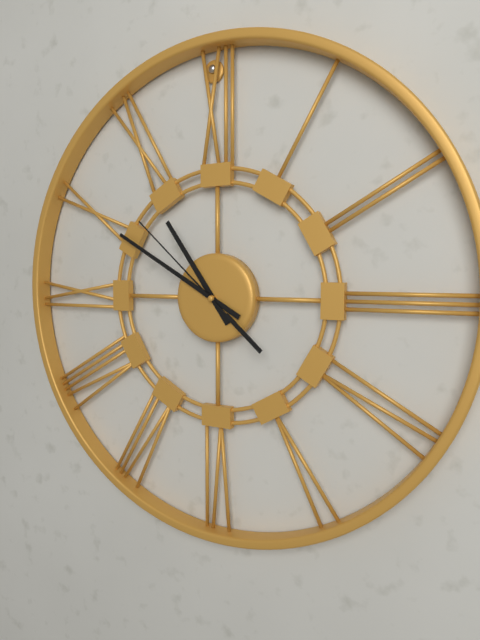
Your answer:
10 h 50 min 52 s
